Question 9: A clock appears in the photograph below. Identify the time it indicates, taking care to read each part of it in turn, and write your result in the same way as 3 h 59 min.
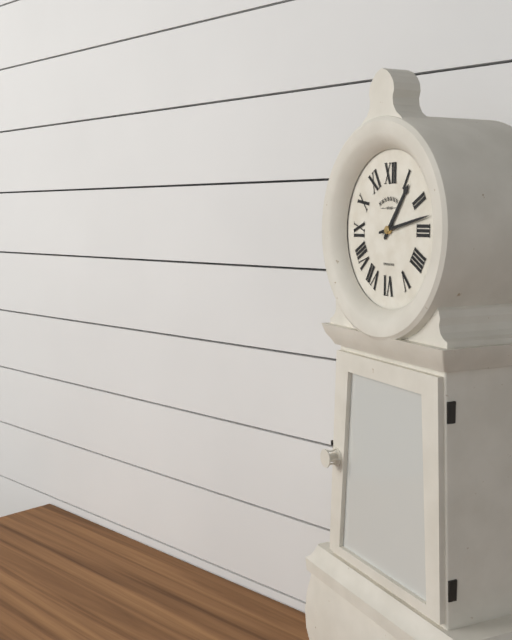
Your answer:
1 h 13 min
